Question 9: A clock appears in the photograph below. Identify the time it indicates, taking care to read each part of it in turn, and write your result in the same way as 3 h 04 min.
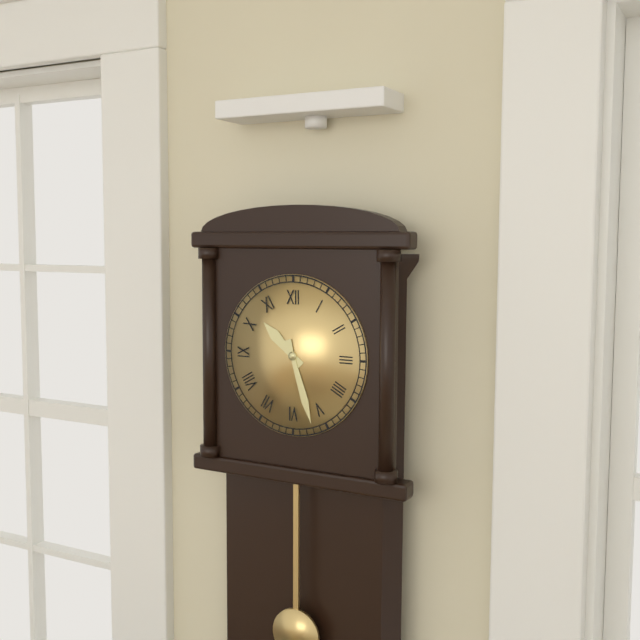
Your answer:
10 h 27 min
